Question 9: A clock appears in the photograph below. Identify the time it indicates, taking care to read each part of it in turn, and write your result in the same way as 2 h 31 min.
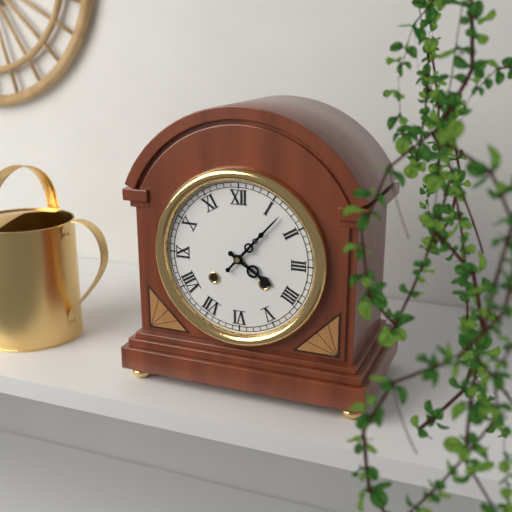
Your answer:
4 h 07 min
